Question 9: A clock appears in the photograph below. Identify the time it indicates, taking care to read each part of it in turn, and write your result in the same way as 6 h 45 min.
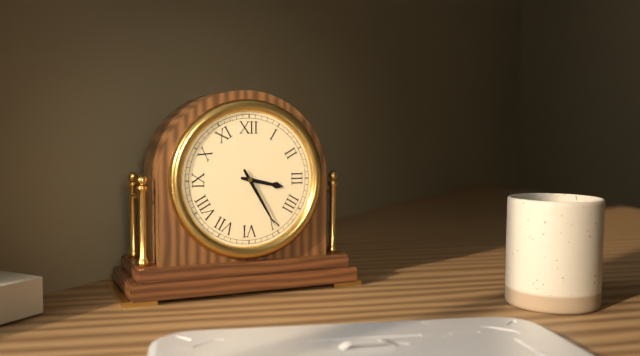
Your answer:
3 h 25 min
